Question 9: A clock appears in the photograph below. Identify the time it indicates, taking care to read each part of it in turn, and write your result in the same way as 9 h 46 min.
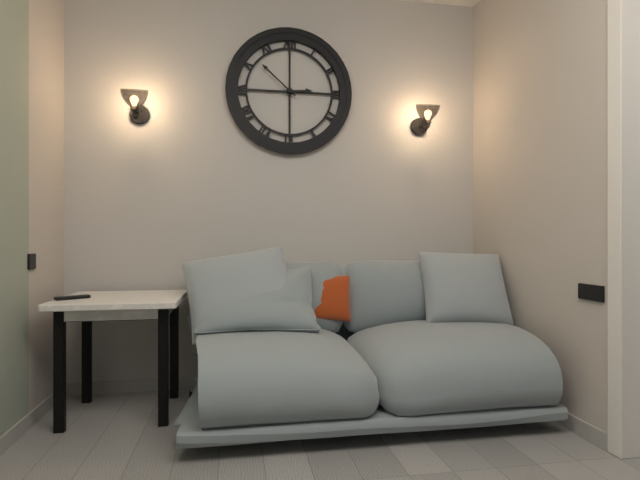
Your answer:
2 h 52 min
